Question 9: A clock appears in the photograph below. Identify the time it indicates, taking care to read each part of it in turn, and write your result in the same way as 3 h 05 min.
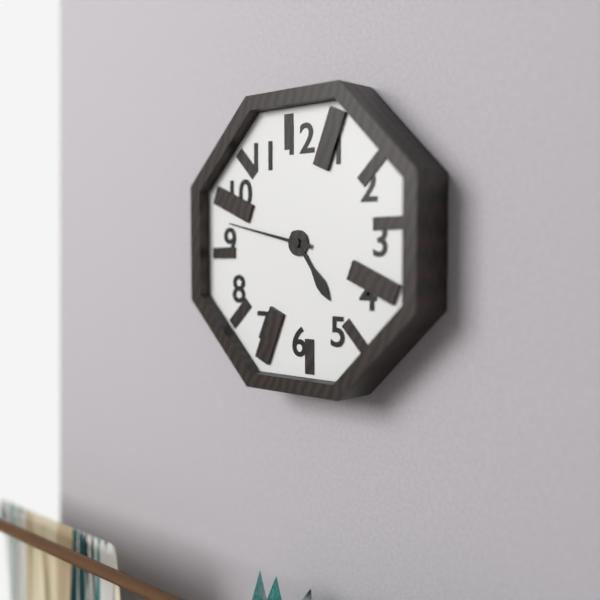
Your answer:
4 h 47 min
